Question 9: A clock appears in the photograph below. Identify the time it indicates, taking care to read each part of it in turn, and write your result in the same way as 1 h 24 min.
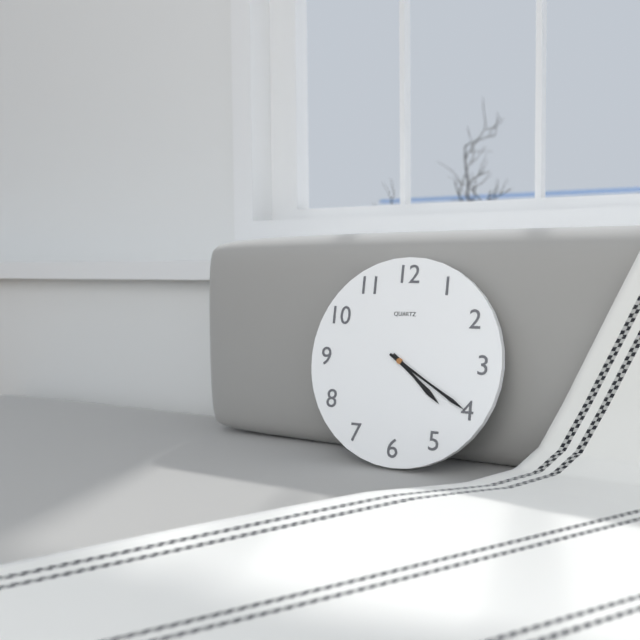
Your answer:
4 h 20 min
